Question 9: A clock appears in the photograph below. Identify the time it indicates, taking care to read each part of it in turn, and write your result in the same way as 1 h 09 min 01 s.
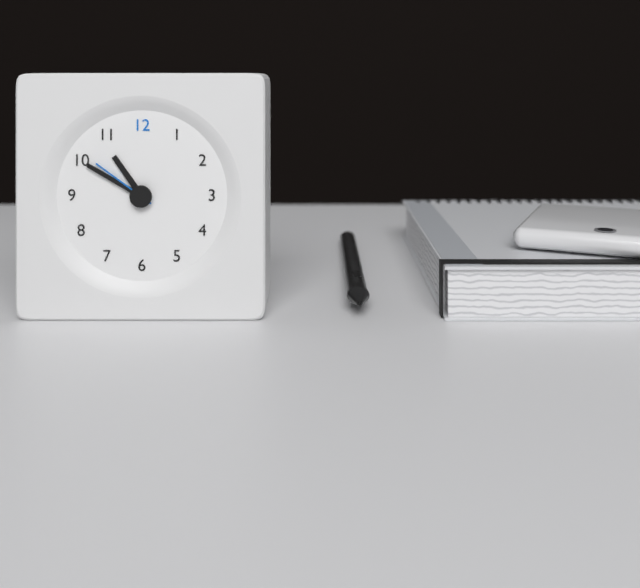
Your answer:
10 h 50 min 51 s
